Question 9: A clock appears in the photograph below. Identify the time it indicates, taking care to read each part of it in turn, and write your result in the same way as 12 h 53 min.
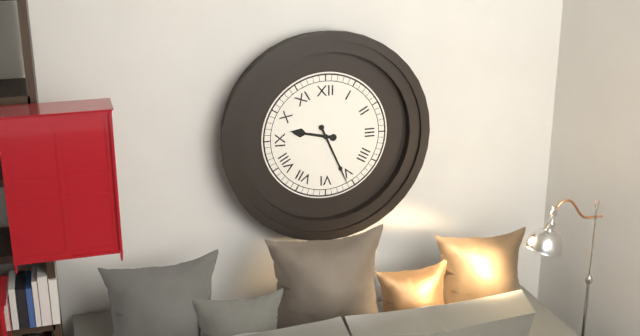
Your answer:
9 h 26 min
